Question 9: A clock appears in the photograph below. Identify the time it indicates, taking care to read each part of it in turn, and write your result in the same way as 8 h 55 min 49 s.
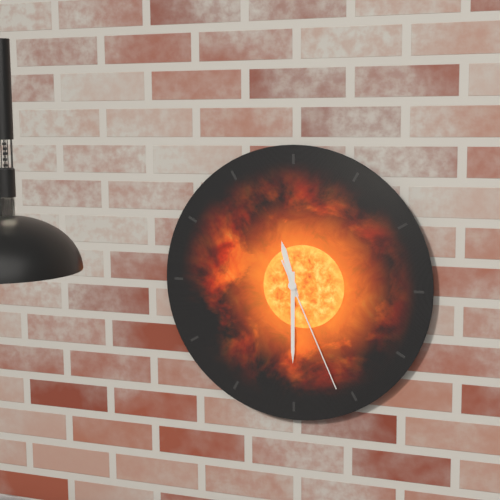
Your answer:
11 h 30 min 26 s
